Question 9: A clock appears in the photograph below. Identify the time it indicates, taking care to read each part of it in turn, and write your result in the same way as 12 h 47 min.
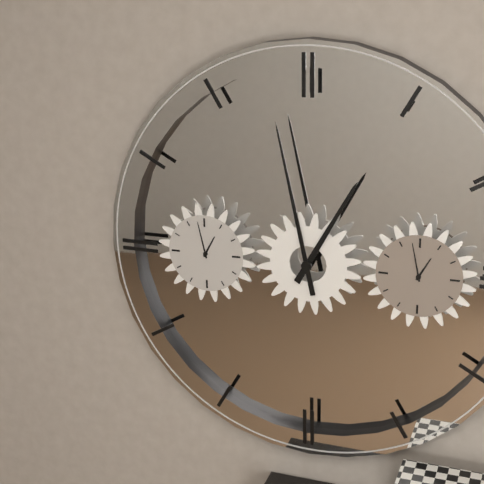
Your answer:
12 h 58 min
